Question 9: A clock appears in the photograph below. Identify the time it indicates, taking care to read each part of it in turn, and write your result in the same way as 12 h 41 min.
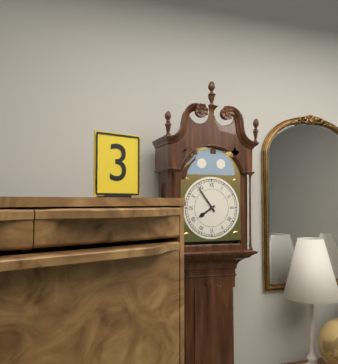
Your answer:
7 h 54 min
